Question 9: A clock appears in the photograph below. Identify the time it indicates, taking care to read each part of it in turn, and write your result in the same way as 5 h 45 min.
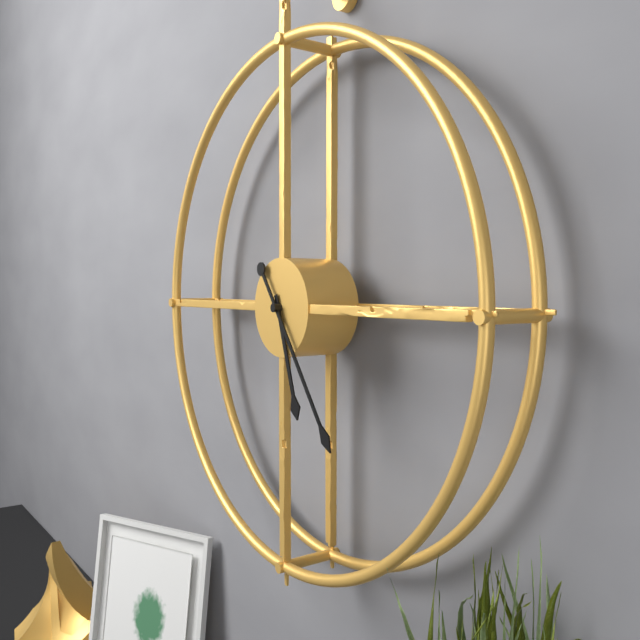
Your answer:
5 h 24 min
